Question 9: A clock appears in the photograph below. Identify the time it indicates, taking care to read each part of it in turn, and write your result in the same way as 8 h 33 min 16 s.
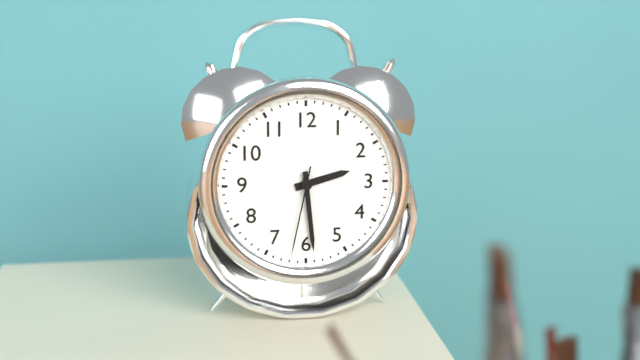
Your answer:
2 h 29 min 32 s
